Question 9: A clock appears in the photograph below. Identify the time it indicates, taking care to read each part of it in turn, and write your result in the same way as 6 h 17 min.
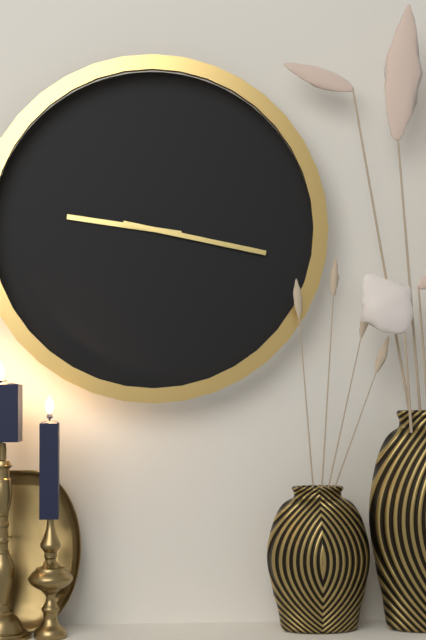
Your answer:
9 h 17 min
